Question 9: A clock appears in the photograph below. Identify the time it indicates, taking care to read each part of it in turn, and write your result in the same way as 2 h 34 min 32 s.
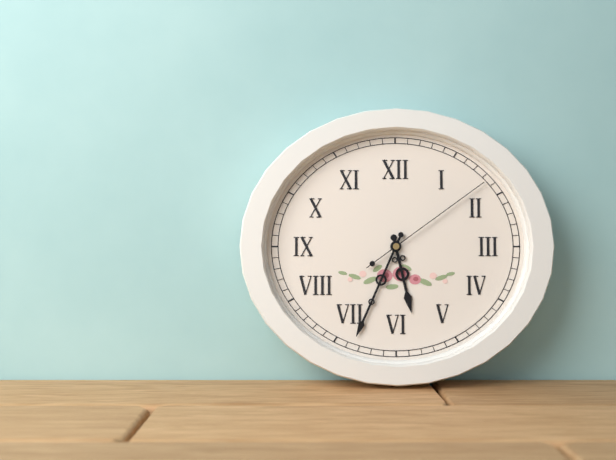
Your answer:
5 h 34 min 09 s
